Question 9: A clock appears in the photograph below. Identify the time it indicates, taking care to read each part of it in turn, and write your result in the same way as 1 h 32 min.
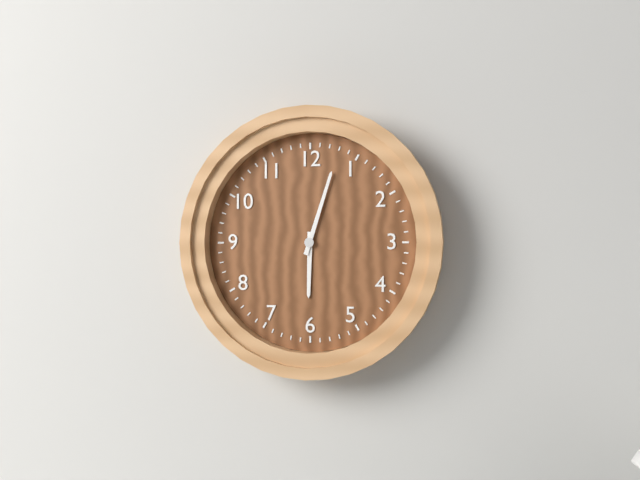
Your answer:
6 h 03 min
